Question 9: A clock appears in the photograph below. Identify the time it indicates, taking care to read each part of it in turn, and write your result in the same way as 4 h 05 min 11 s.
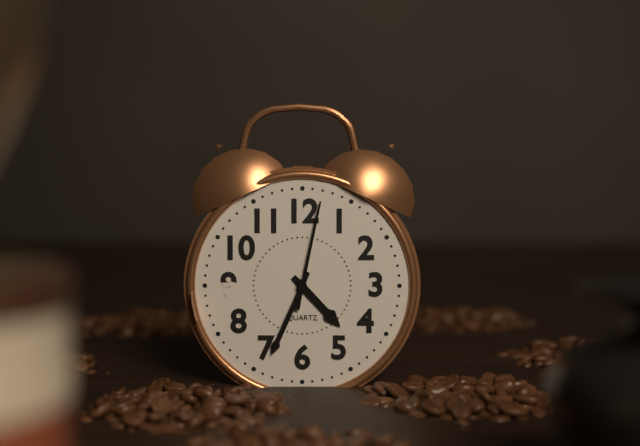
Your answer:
4 h 34 min 02 s
